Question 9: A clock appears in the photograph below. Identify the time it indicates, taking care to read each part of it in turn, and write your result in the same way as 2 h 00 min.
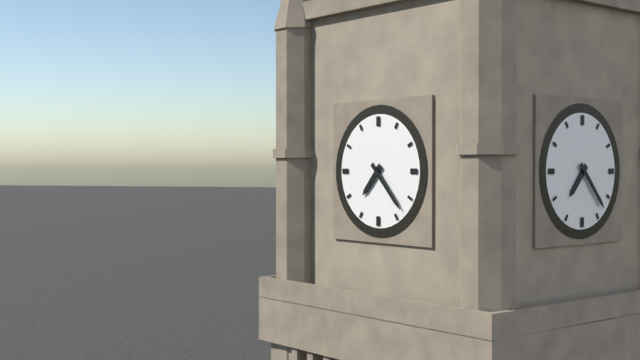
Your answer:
7 h 23 min
